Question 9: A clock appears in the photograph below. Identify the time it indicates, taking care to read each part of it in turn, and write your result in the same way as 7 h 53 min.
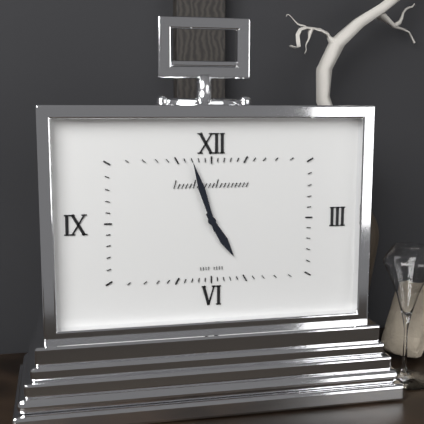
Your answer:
4 h 57 min
